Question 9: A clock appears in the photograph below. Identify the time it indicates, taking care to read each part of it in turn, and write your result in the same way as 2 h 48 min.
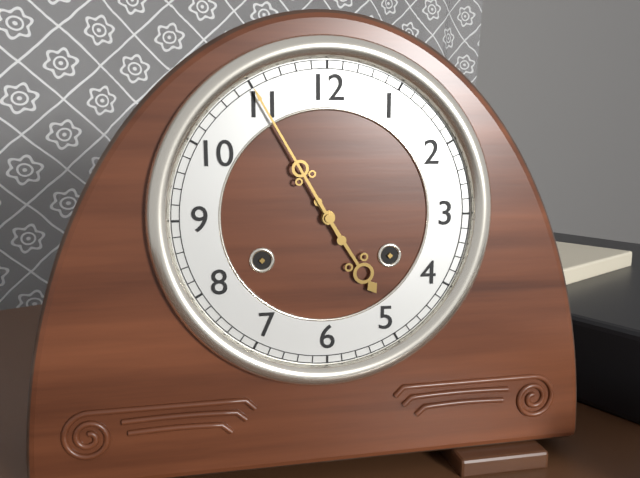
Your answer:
4 h 55 min
